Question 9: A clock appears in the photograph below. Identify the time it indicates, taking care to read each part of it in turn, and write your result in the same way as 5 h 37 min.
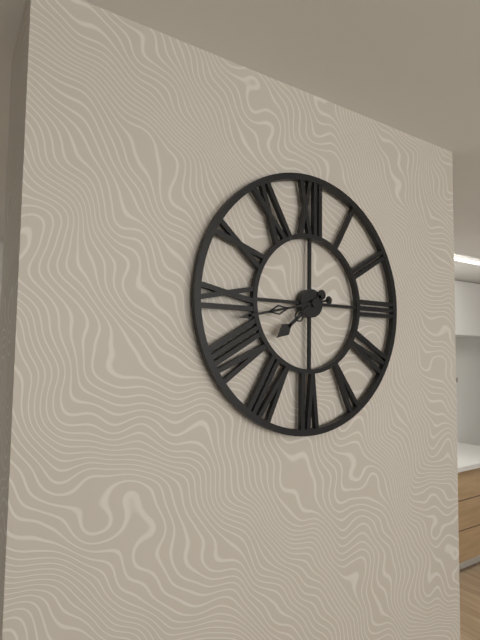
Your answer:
7 h 43 min
